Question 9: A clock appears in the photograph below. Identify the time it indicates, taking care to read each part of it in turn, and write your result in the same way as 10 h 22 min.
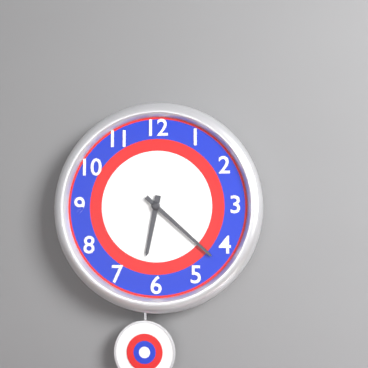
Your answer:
6 h 22 min
